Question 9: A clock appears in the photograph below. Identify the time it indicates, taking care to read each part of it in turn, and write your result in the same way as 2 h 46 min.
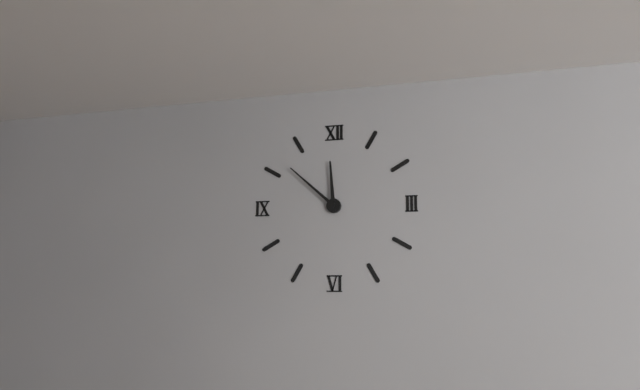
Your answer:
11 h 52 min
